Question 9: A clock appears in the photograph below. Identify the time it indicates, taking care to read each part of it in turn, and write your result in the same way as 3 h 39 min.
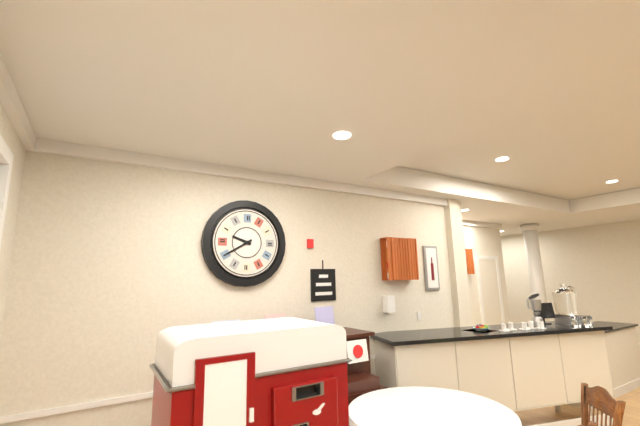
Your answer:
9 h 40 min
